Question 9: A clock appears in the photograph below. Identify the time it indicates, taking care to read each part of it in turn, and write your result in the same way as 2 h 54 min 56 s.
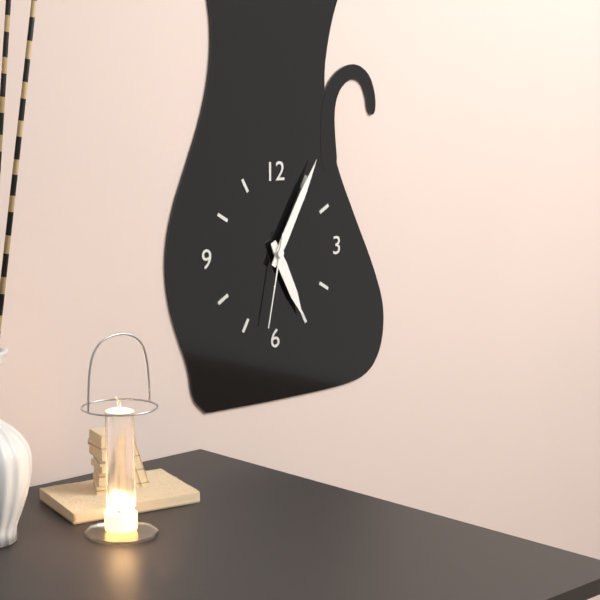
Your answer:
5 h 05 min 32 s
